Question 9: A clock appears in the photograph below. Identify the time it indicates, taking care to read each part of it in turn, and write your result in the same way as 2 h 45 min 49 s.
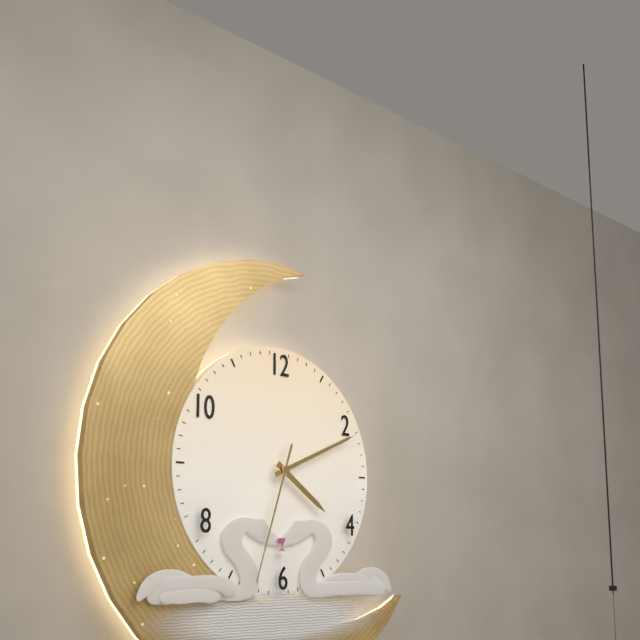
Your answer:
4 h 11 min 33 s
